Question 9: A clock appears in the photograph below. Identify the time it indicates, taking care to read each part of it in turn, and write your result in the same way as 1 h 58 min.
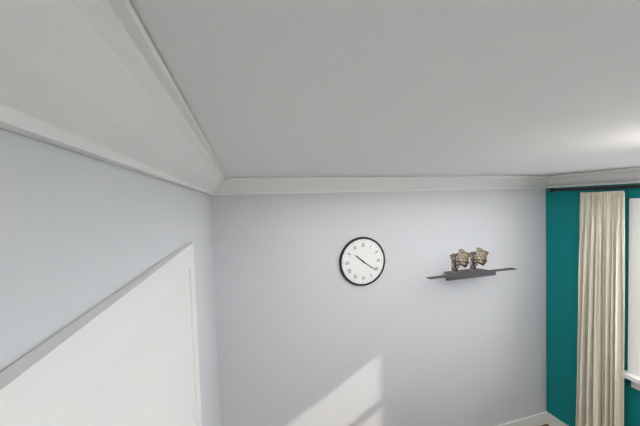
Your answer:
10 h 21 min
